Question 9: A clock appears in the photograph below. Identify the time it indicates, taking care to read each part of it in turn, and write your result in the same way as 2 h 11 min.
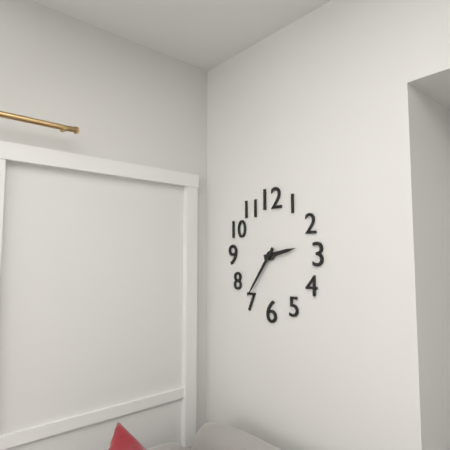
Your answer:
2 h 36 min
